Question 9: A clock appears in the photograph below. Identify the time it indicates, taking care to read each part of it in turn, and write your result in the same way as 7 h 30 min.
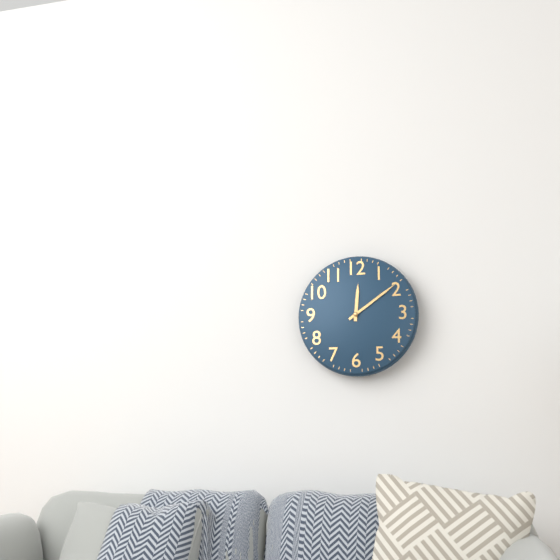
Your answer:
12 h 09 min
